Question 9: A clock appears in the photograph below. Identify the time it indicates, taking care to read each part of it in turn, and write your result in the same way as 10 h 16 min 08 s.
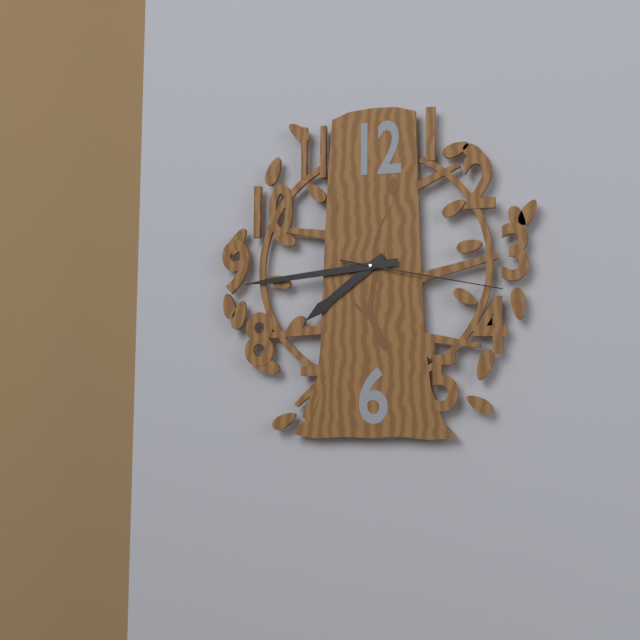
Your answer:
7 h 44 min 17 s
